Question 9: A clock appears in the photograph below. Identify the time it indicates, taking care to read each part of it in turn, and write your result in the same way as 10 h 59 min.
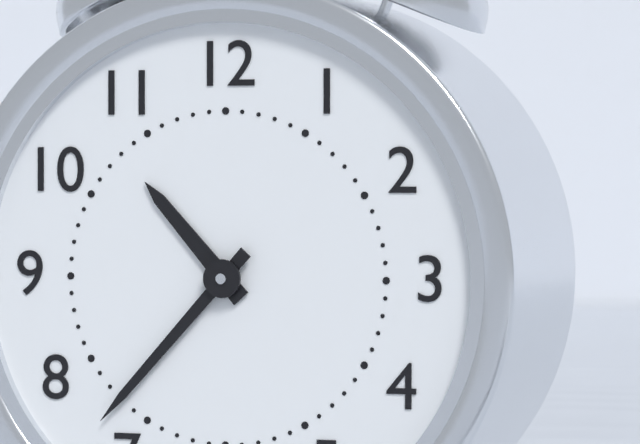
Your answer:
10 h 37 min
